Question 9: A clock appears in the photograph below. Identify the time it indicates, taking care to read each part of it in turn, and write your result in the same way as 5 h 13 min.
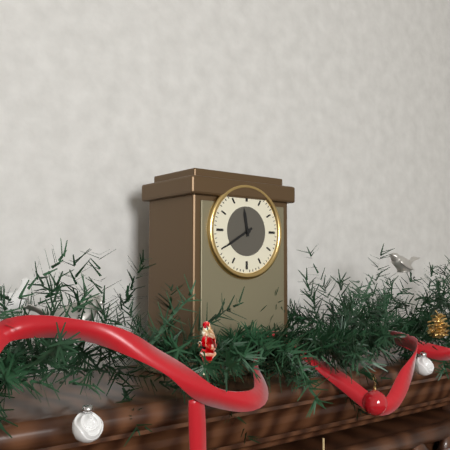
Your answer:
11 h 40 min
